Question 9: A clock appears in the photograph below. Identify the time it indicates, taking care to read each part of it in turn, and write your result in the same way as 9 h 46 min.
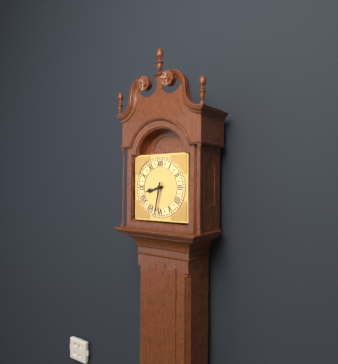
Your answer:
8 h 32 min
